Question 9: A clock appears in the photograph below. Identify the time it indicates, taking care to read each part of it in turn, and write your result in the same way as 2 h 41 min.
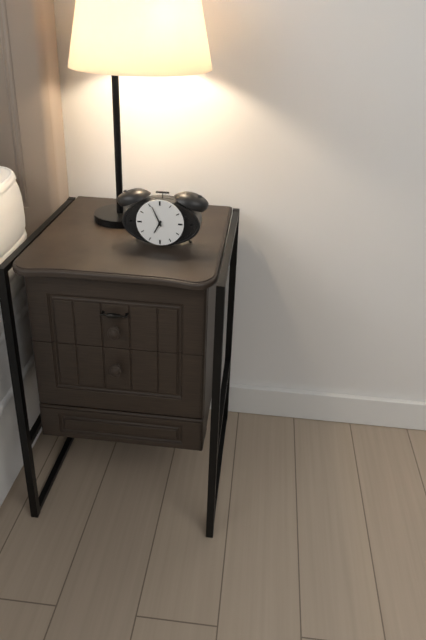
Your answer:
6 h 56 min
